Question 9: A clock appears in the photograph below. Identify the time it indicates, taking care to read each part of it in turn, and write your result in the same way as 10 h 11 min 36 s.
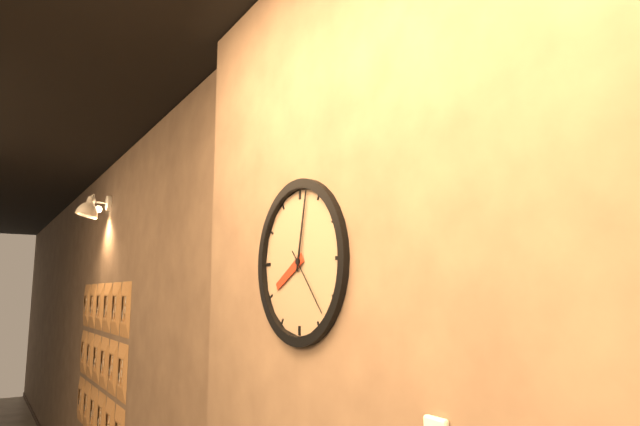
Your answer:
8 h 02 min 23 s
